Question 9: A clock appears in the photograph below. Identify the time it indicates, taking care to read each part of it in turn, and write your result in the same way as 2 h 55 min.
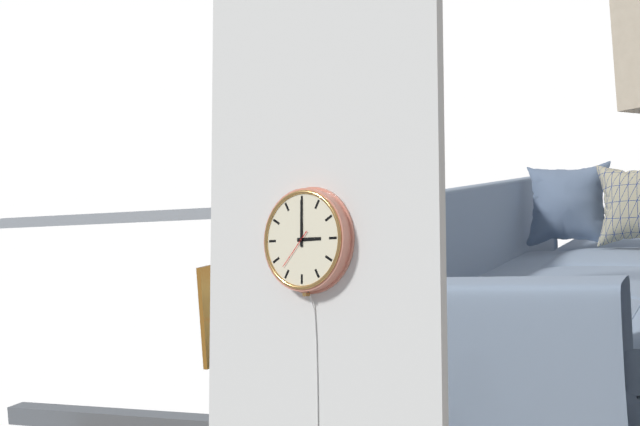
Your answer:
3 h 00 min
